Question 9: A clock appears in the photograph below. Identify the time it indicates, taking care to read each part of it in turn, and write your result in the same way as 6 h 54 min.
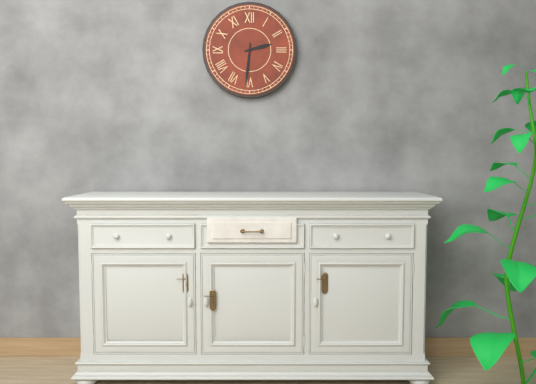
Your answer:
2 h 31 min
